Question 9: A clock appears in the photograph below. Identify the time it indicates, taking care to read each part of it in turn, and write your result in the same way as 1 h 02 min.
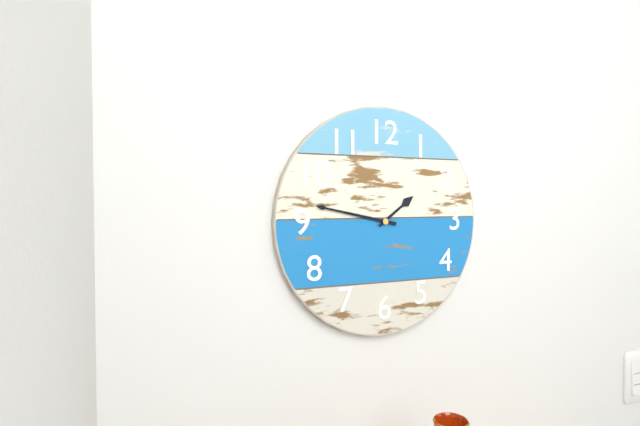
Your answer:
1 h 47 min
